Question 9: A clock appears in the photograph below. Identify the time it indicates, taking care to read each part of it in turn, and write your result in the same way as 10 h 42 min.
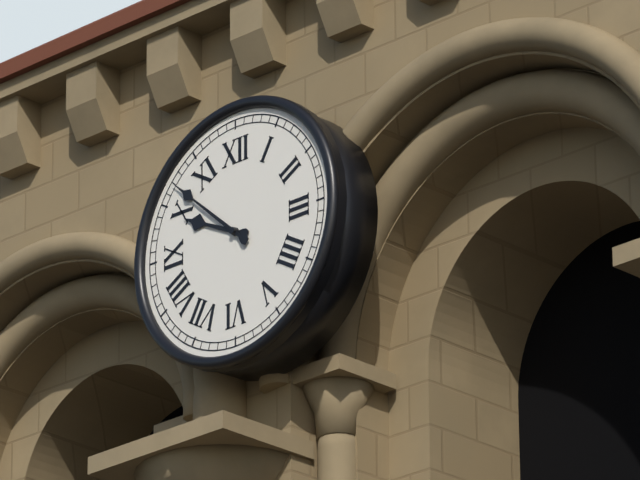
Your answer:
9 h 52 min
